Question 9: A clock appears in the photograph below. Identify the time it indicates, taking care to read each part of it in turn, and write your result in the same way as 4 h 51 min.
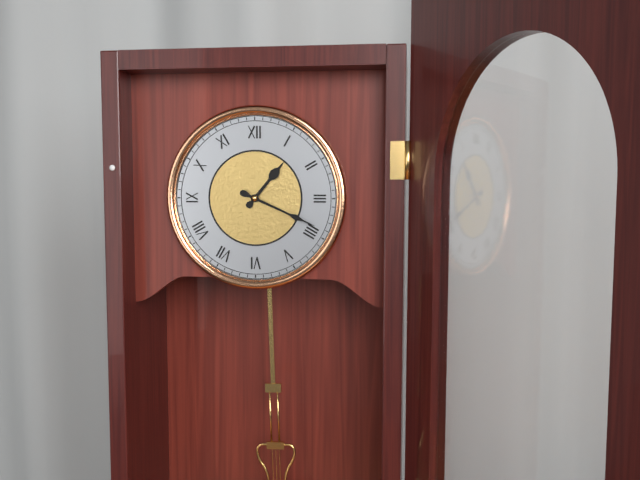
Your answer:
1 h 19 min
